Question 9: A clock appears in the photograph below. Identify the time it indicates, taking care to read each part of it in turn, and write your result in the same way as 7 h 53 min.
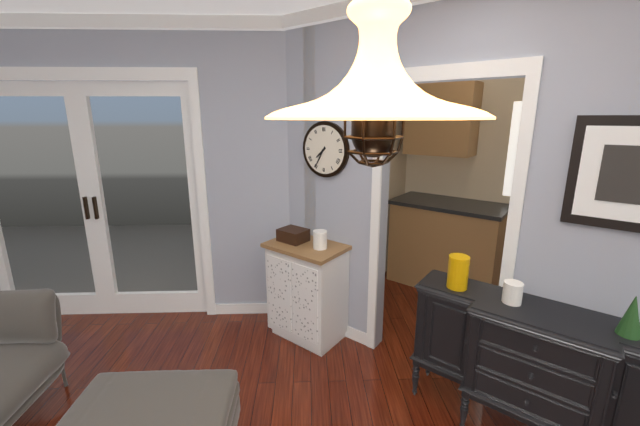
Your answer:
7 h 35 min
